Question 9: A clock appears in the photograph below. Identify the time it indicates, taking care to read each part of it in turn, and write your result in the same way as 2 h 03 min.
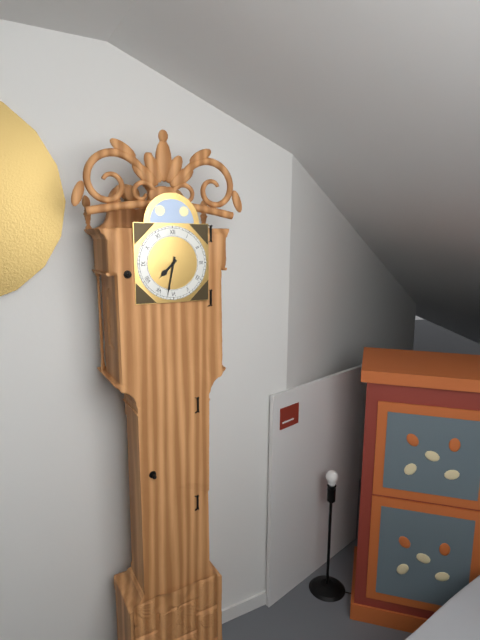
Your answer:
7 h 32 min
